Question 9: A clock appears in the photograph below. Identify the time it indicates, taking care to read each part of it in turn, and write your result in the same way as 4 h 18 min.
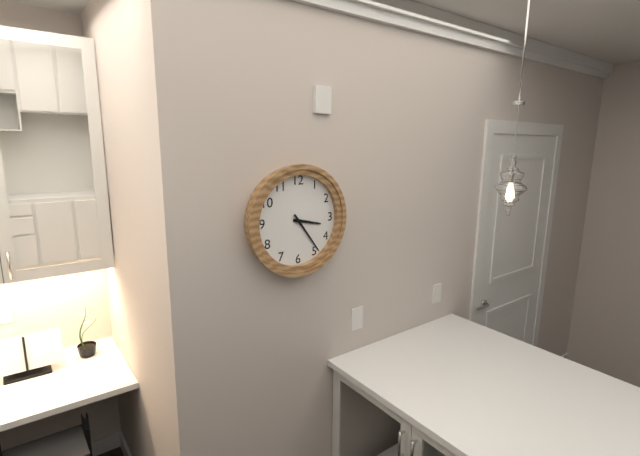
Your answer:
3 h 24 min
